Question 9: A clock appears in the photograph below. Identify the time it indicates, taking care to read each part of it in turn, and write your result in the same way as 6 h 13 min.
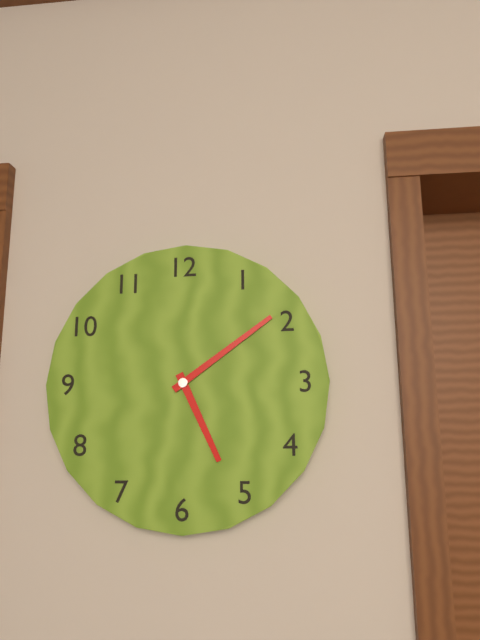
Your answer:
5 h 09 min
